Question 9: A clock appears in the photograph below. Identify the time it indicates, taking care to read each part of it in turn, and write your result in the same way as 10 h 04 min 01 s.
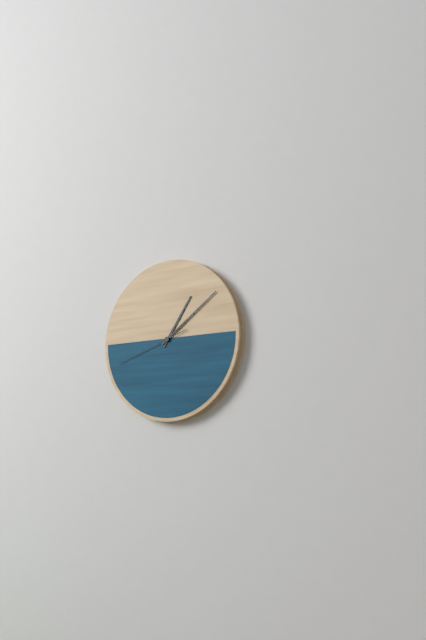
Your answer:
1 h 09 min 42 s
